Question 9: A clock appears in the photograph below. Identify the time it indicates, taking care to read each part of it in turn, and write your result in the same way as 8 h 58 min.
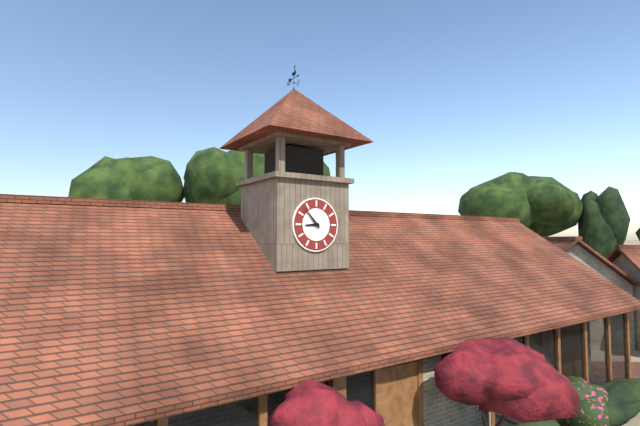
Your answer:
8 h 53 min
